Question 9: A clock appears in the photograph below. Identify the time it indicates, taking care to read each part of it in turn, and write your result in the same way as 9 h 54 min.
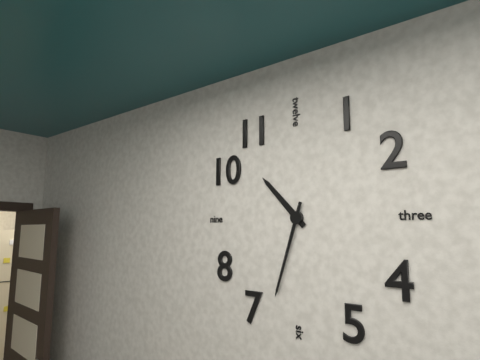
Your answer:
10 h 33 min
